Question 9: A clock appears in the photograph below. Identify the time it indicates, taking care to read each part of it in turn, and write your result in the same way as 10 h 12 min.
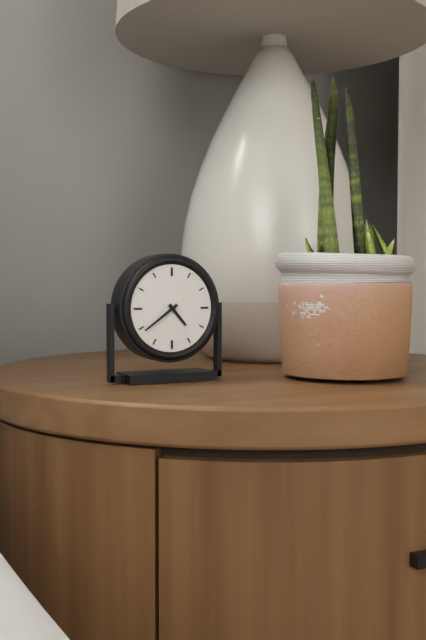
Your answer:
4 h 39 min
